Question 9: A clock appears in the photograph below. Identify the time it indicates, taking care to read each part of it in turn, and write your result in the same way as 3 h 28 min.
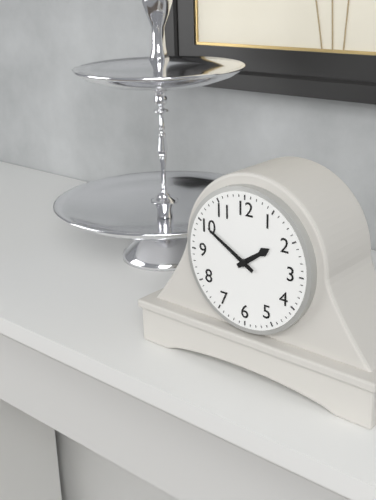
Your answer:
1 h 50 min
